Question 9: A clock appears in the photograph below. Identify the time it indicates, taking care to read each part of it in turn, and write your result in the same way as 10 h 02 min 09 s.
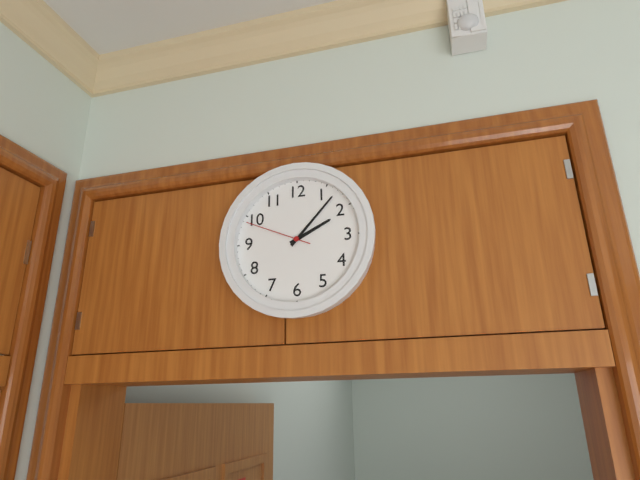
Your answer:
2 h 07 min 49 s
